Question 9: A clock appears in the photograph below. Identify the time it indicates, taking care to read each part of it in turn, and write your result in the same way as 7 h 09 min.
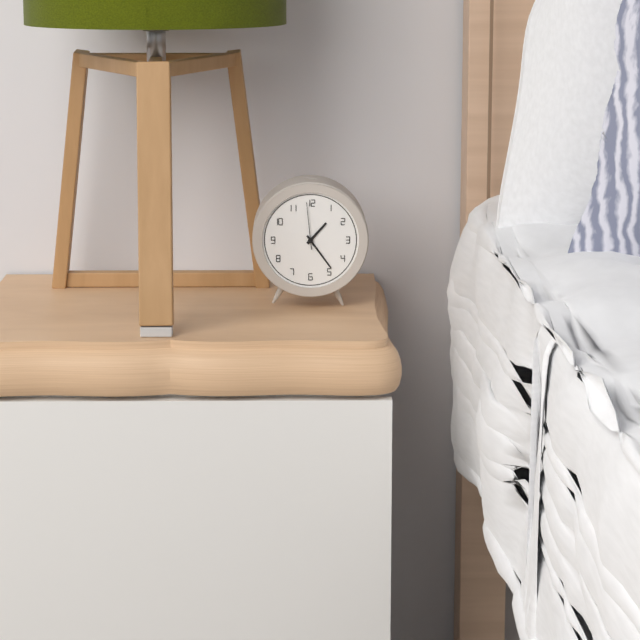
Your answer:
1 h 24 min
